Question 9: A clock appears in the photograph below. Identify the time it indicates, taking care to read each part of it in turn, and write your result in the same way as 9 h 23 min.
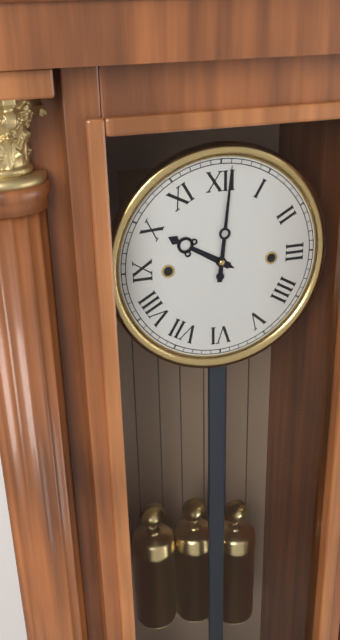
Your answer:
10 h 01 min
